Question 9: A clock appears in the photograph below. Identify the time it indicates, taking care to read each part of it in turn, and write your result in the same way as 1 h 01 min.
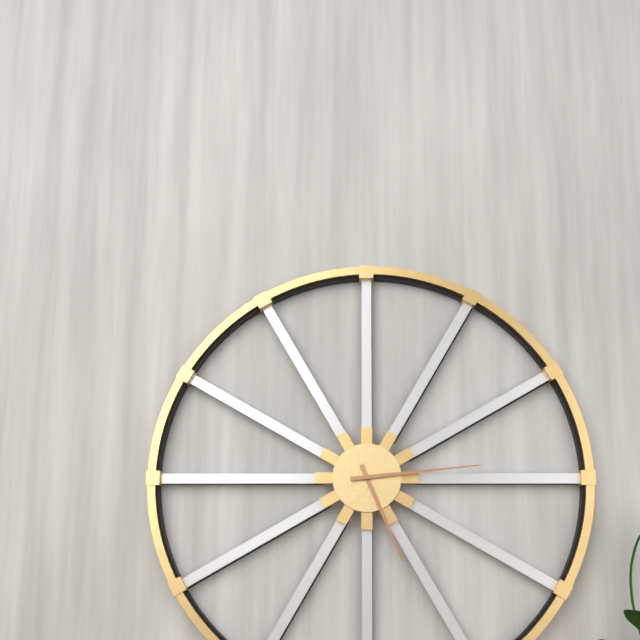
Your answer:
5 h 14 min
